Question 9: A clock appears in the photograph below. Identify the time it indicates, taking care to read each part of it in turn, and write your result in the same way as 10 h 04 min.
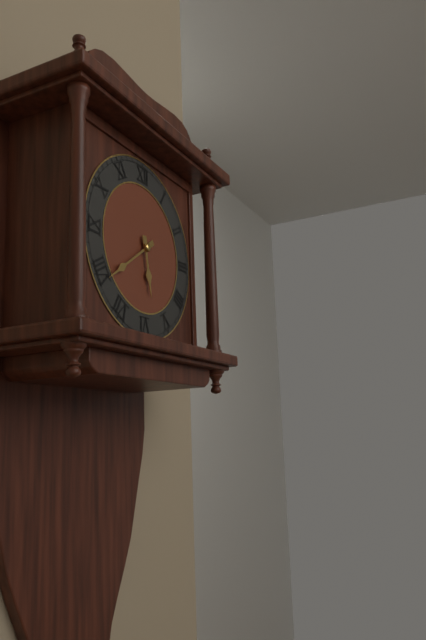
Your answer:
5 h 39 min
